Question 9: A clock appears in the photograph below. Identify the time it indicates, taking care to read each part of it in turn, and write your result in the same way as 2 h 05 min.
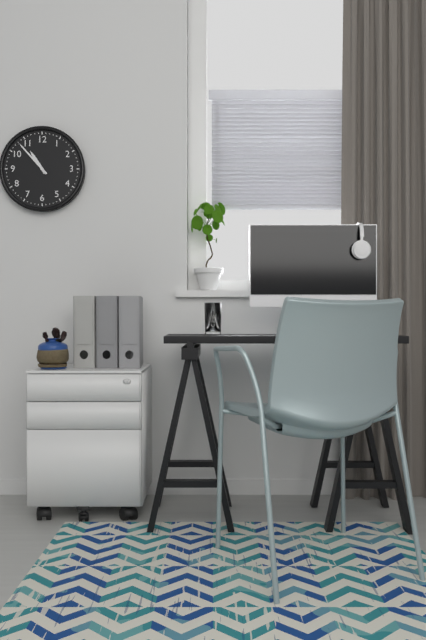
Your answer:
10 h 53 min
